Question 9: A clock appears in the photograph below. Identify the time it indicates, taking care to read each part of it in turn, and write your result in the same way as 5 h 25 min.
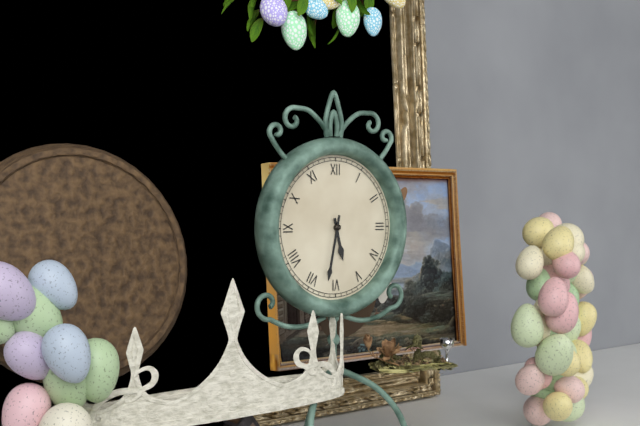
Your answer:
5 h 32 min
